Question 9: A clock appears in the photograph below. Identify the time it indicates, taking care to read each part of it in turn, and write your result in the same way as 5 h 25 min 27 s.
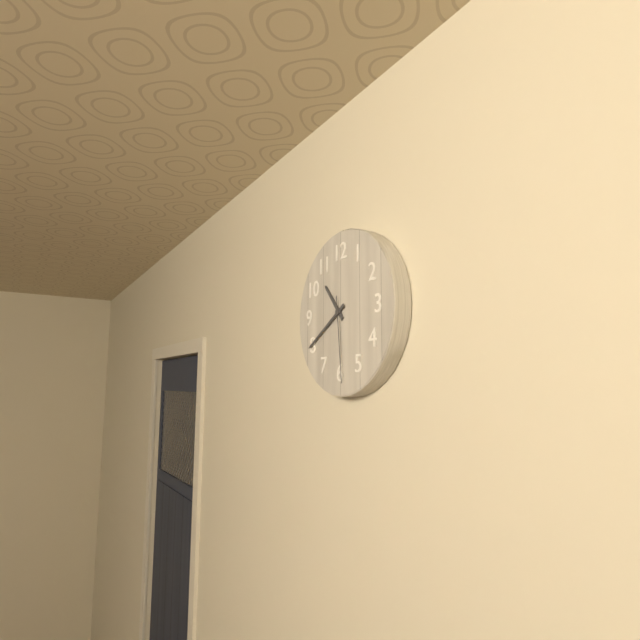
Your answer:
10 h 40 min 29 s
